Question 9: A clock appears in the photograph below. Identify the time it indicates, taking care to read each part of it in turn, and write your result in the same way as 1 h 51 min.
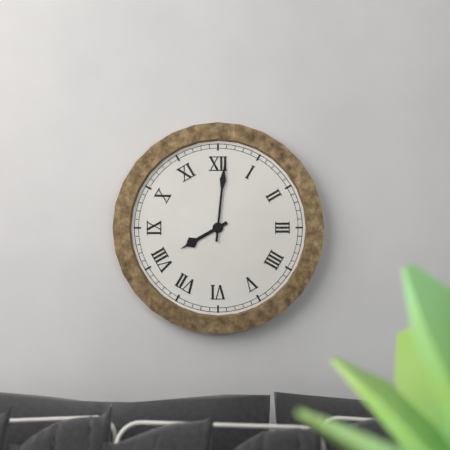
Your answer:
8 h 01 min
